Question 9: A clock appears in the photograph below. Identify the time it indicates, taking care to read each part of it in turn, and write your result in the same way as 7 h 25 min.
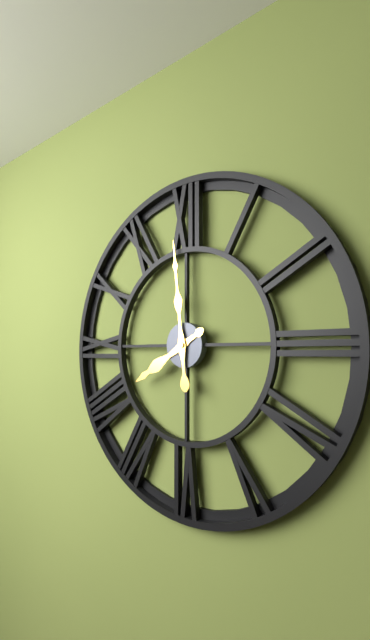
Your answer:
7 h 59 min
